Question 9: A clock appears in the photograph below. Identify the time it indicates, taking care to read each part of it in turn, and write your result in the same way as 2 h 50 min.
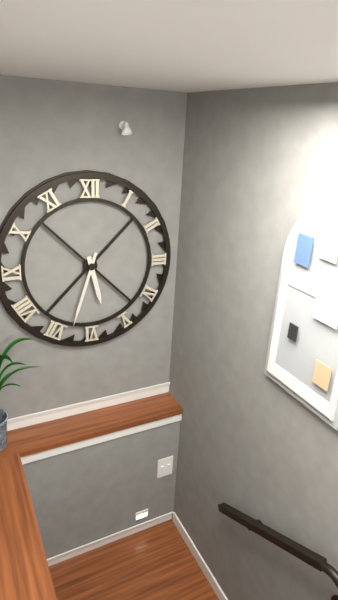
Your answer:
5 h 33 min
